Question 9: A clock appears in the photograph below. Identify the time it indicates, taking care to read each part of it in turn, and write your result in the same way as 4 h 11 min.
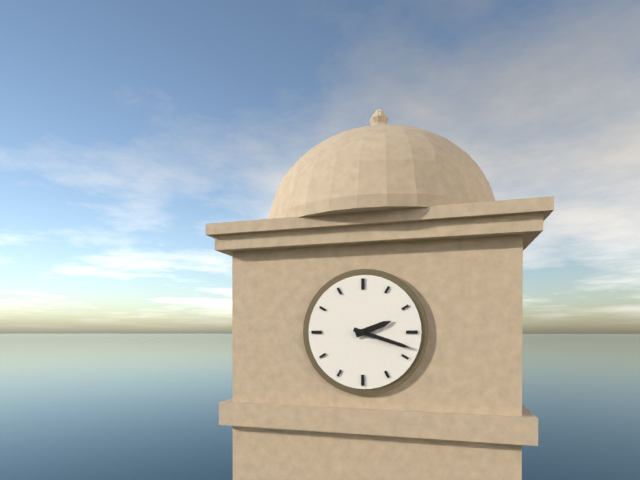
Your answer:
2 h 18 min
